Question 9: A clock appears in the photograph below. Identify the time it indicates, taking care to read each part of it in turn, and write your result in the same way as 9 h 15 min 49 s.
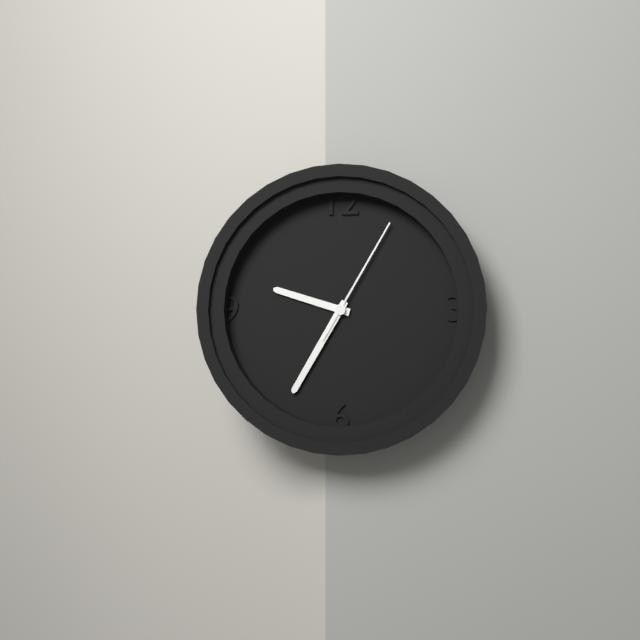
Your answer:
9 h 35 min 05 s
